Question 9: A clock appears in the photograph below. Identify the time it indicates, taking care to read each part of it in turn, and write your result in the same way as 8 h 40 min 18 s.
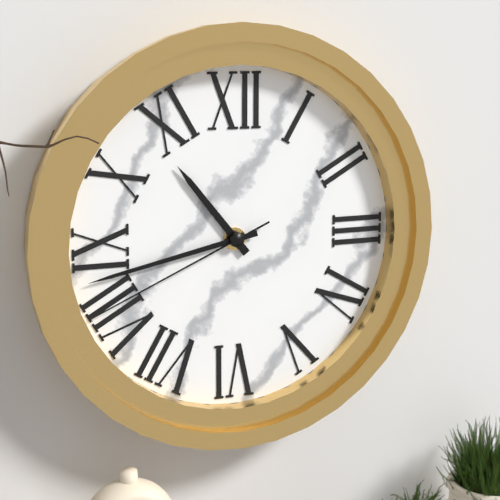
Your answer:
10 h 43 min 41 s
